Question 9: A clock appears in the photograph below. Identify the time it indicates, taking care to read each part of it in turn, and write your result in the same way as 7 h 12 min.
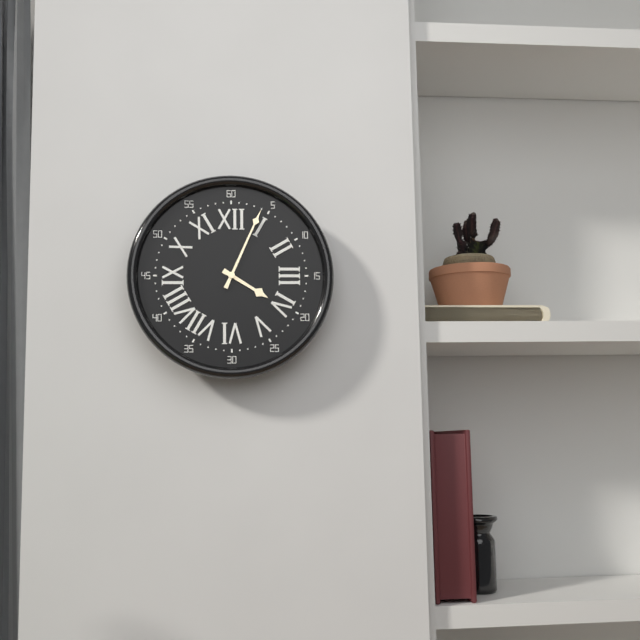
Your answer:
4 h 04 min
